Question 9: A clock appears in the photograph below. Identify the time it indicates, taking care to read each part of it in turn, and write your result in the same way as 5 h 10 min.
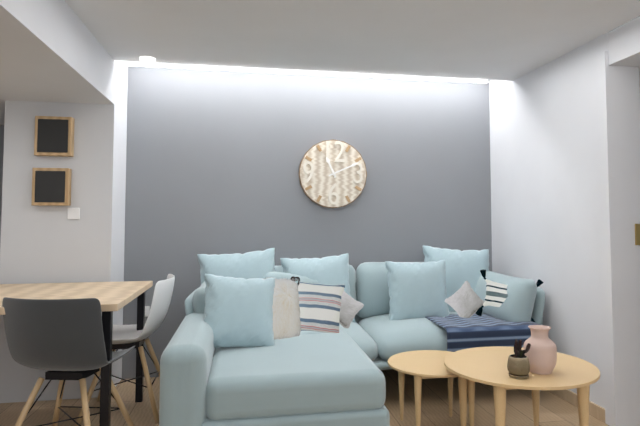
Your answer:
11 h 11 min
